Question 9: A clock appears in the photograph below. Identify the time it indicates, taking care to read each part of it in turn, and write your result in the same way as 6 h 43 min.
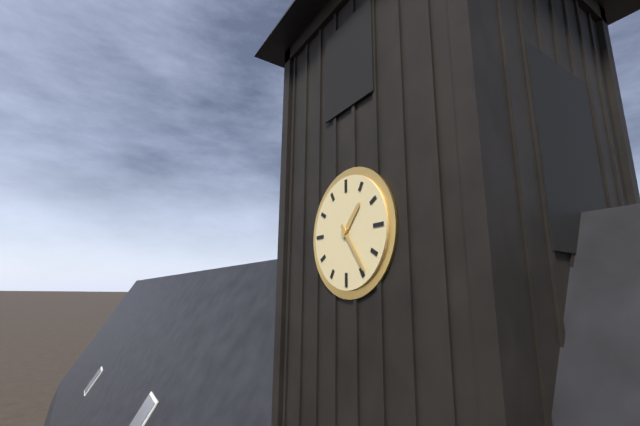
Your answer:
1 h 24 min
